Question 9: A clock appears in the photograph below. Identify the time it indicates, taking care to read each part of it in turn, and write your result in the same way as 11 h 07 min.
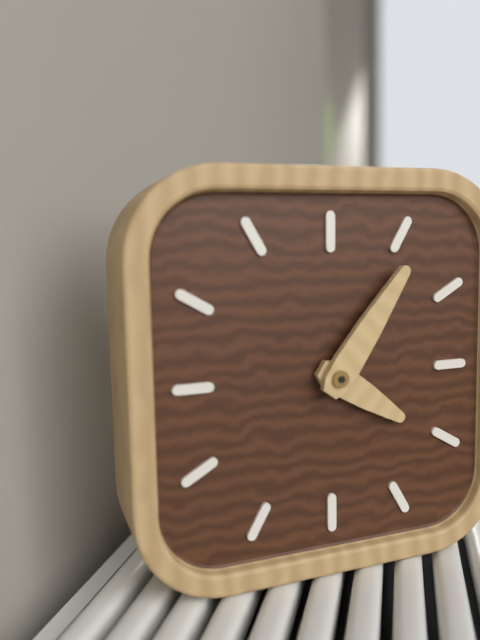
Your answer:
4 h 06 min
